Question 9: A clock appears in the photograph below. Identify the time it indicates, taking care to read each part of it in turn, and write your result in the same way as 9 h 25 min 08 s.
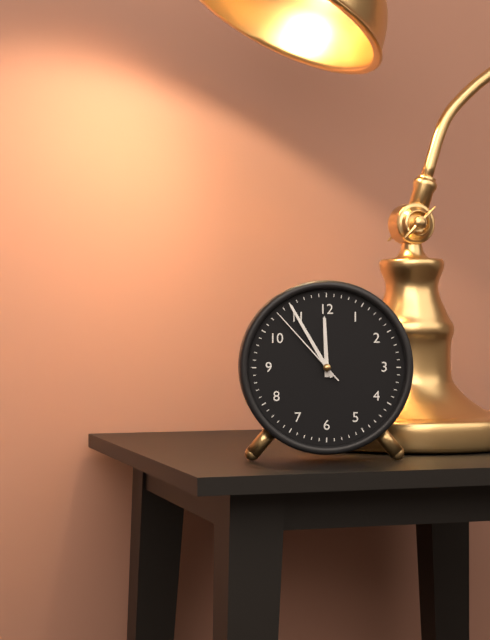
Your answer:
11 h 55 min 53 s
